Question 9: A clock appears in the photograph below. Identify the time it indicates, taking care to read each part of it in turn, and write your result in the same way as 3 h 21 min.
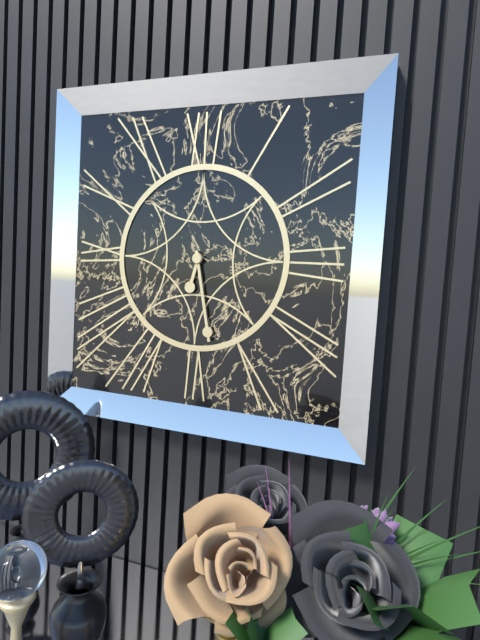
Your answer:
6 h 28 min
